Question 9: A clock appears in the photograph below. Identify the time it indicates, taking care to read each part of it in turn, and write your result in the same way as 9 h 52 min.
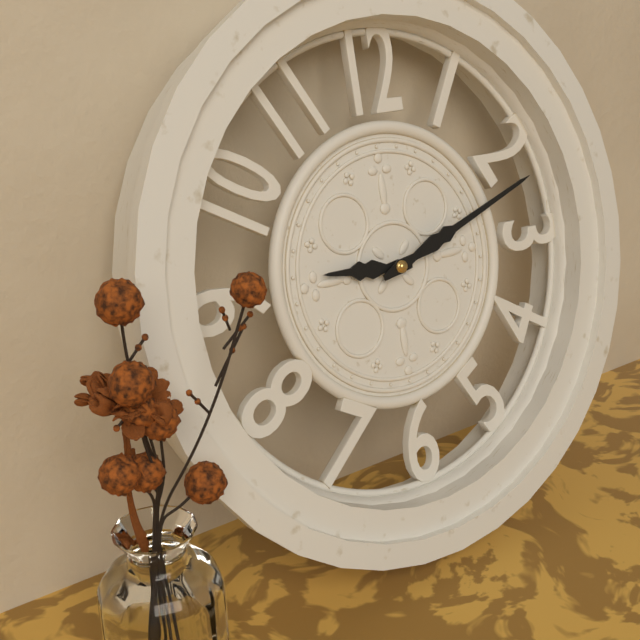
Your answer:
9 h 12 min
